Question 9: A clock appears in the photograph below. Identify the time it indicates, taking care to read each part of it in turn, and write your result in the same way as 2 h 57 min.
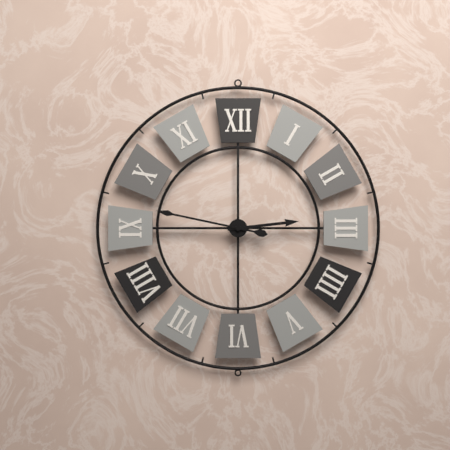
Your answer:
2 h 47 min
